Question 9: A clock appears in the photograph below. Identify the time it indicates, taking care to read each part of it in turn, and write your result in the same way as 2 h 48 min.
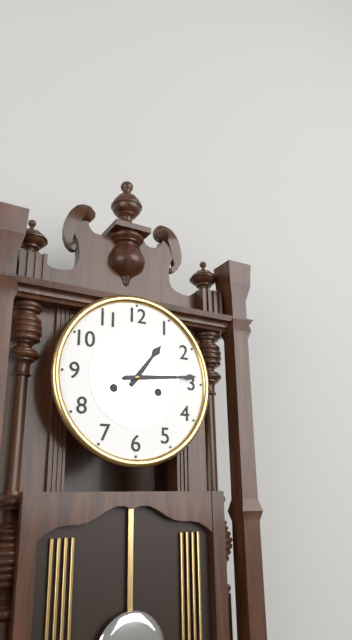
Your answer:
1 h 14 min
